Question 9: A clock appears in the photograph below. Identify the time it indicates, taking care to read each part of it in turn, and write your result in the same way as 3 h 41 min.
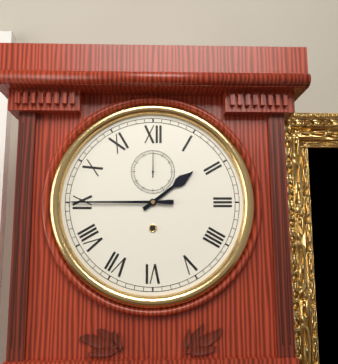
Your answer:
1 h 45 min
